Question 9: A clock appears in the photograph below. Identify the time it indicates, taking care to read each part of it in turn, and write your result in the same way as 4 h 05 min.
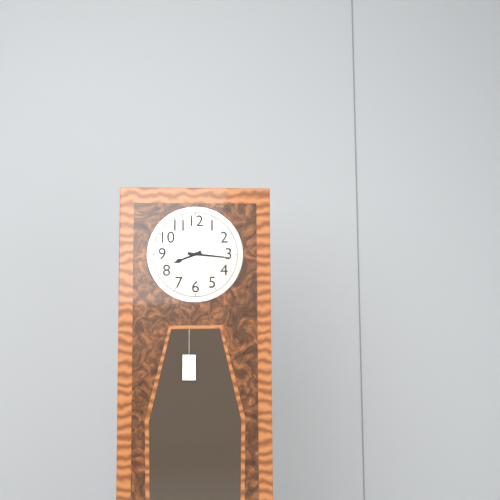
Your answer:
8 h 16 min
